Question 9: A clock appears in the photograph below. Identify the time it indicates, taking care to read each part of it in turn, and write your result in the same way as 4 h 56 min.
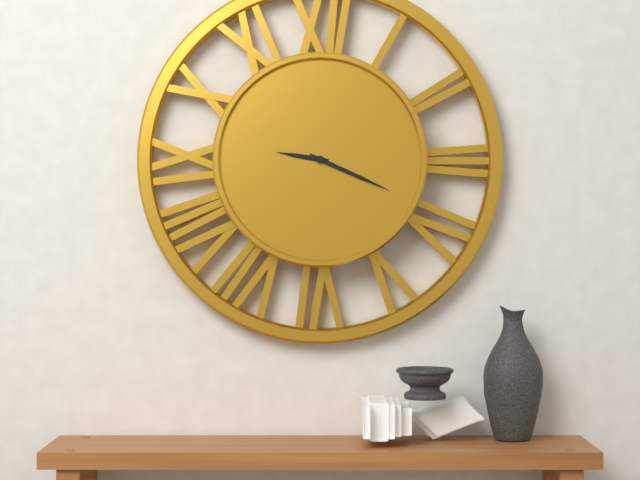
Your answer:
9 h 19 min
